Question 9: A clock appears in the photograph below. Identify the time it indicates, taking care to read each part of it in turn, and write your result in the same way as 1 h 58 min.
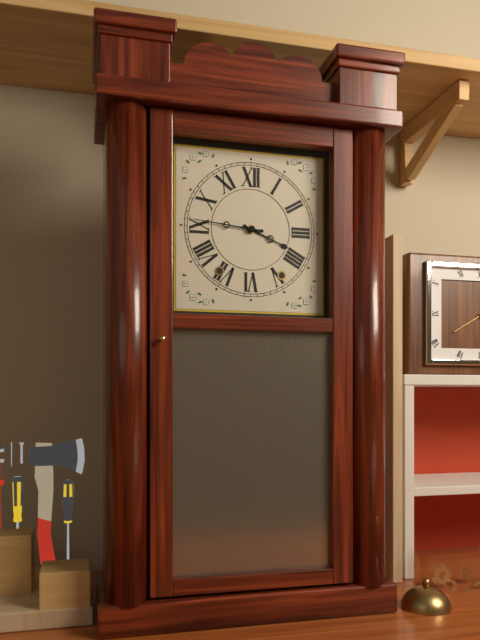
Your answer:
3 h 46 min
